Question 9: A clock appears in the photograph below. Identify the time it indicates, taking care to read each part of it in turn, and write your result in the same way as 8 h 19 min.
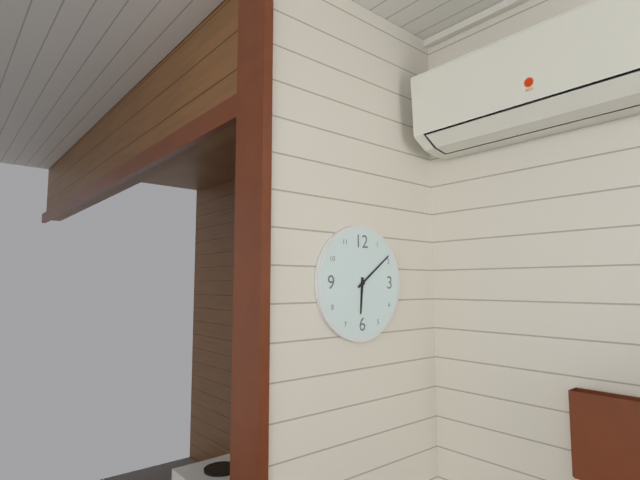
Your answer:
6 h 09 min
